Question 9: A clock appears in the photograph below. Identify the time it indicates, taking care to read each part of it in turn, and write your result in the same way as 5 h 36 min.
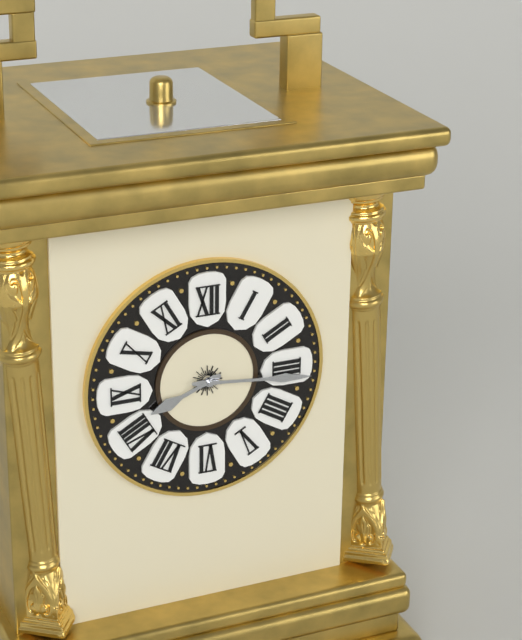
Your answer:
8 h 16 min
